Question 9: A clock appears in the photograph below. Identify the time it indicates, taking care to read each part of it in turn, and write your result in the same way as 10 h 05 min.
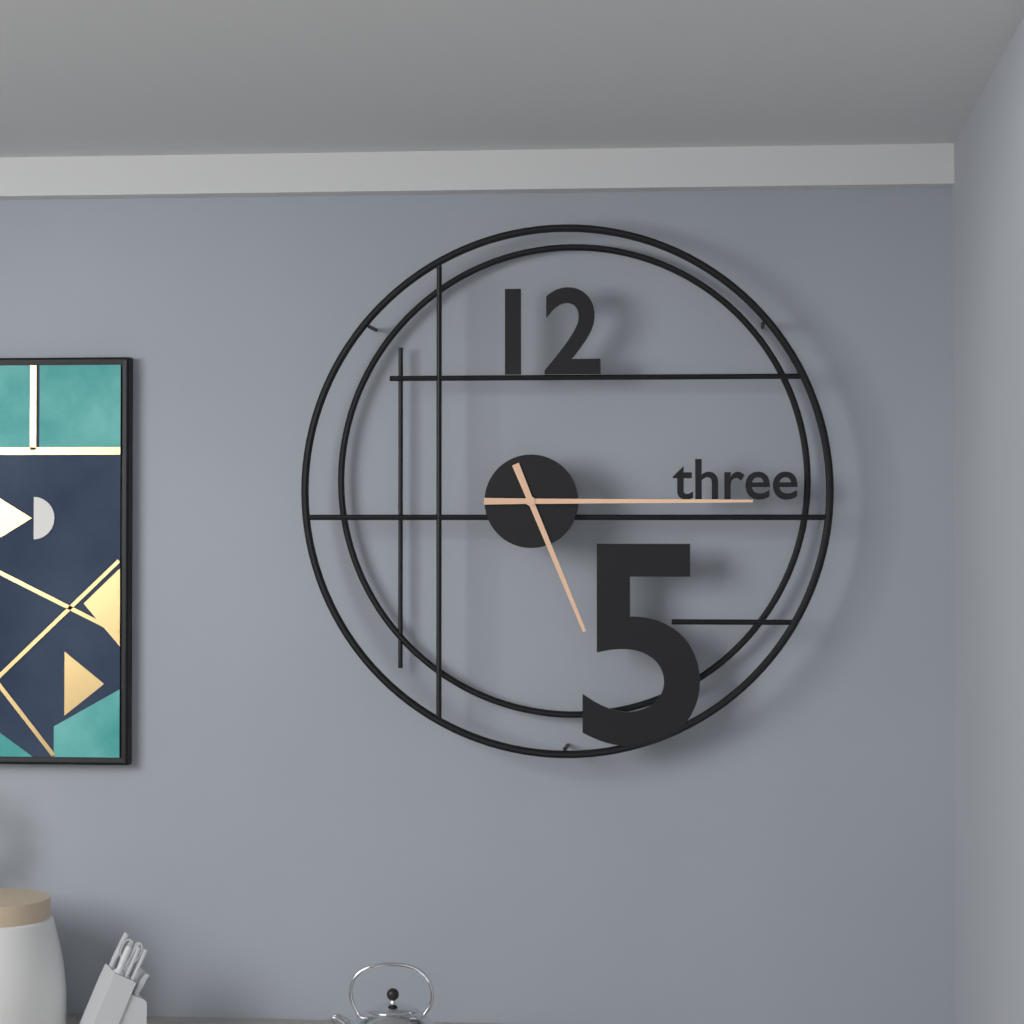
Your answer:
5 h 15 min
